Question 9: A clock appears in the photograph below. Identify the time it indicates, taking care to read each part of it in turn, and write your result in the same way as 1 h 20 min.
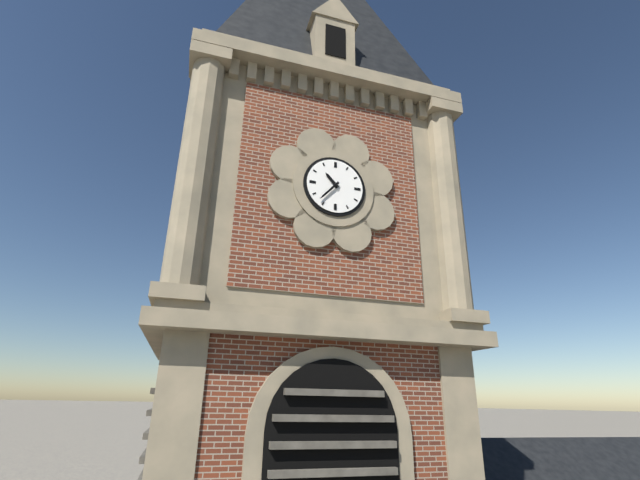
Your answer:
10 h 37 min
